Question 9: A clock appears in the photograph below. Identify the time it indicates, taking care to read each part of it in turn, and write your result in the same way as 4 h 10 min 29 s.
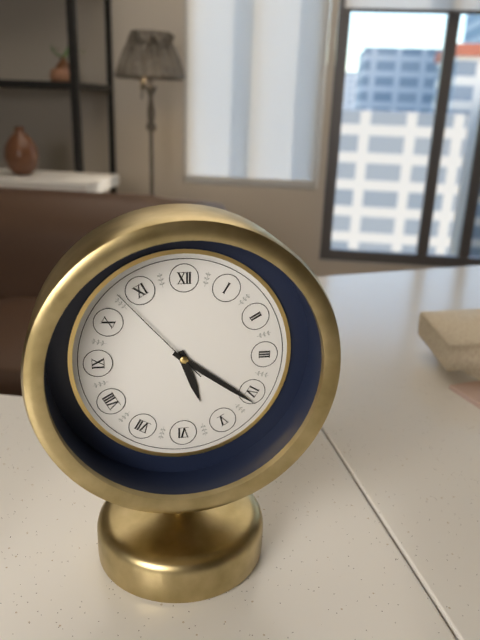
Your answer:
5 h 21 min 53 s
